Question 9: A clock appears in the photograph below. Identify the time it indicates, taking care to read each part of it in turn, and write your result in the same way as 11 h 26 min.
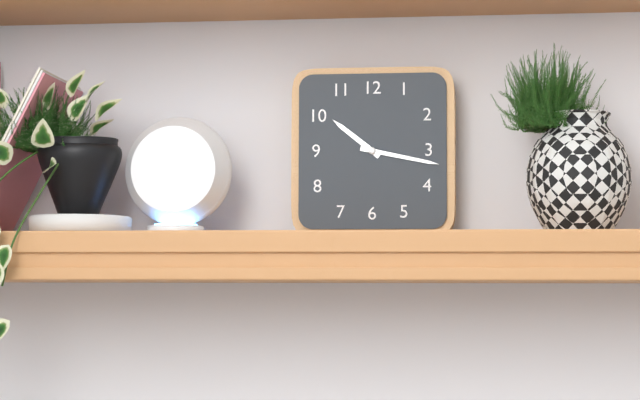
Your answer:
10 h 17 min
